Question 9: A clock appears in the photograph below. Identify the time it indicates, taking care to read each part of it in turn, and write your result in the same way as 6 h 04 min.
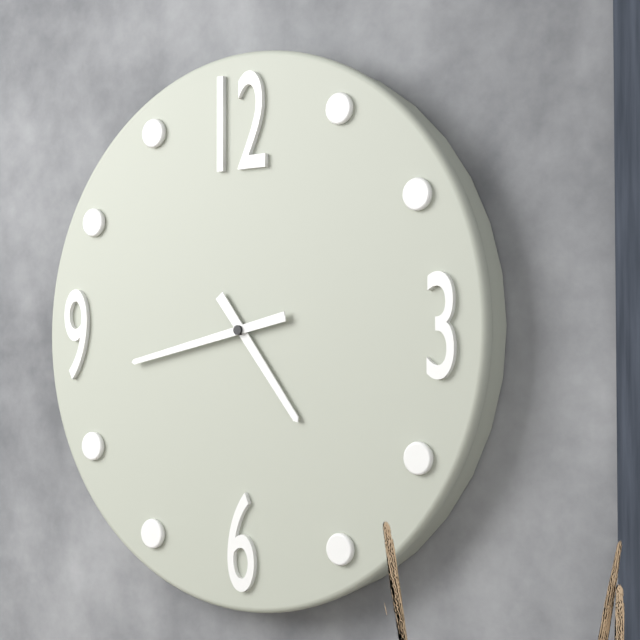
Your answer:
4 h 43 min
